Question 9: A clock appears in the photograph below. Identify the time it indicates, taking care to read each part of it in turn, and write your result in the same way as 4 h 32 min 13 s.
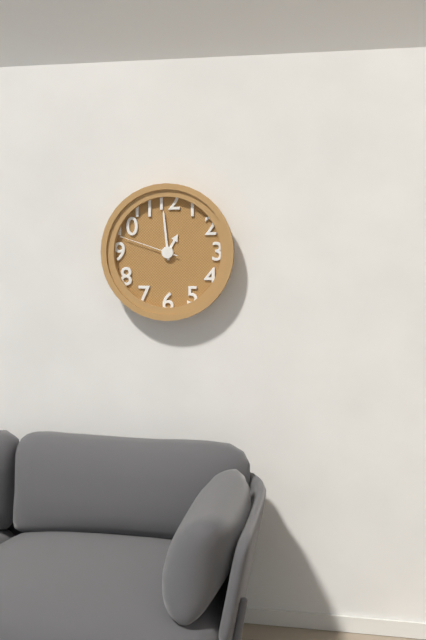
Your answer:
12 h 59 min 48 s
